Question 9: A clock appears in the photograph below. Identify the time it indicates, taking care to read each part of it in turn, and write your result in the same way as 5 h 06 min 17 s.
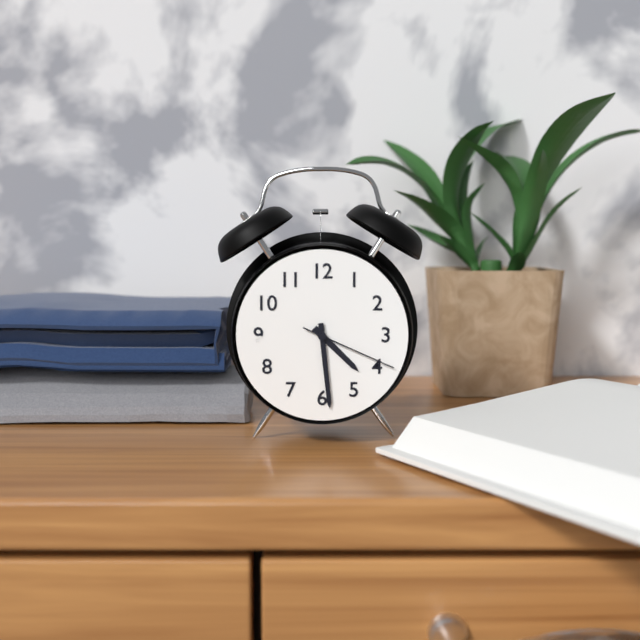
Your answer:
4 h 29 min 19 s
